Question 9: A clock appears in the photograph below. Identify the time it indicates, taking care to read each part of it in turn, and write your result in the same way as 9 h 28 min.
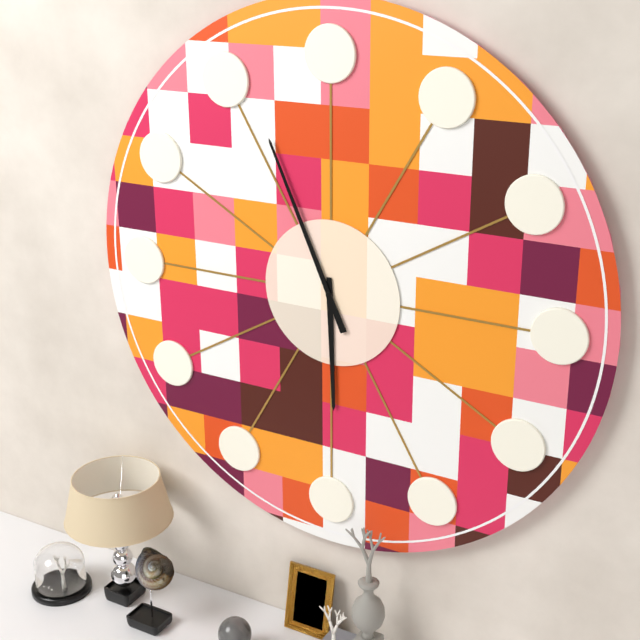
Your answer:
5 h 56 min
